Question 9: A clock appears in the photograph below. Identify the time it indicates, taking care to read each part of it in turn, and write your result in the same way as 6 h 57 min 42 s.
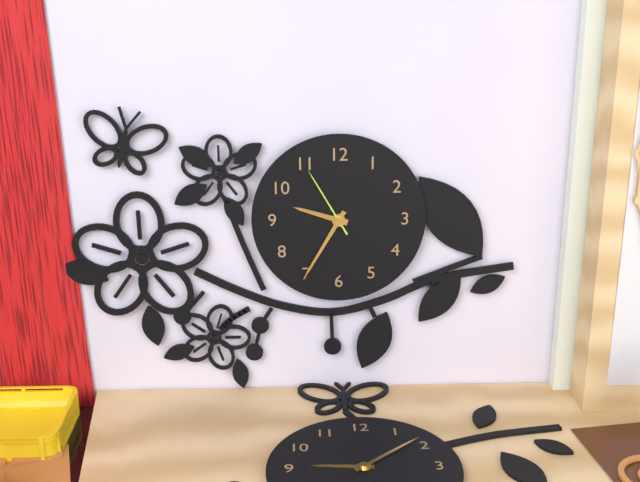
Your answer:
9 h 35 min 55 s
